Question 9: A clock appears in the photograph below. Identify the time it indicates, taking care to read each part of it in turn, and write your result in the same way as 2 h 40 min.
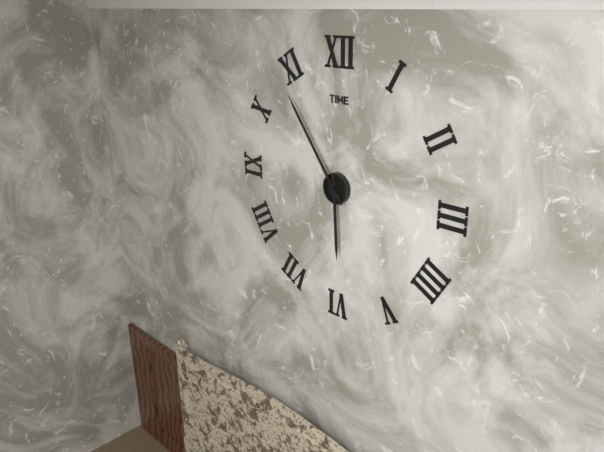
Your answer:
5 h 54 min
